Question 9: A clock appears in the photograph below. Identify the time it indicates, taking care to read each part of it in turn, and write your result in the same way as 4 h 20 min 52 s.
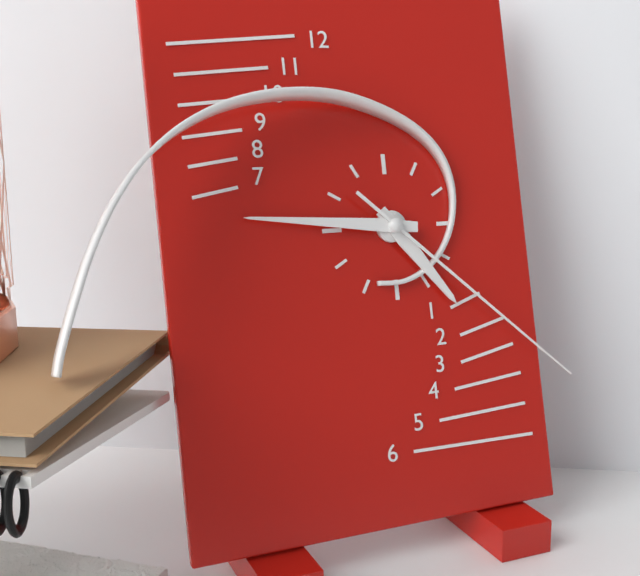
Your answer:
4 h 46 min 22 s
